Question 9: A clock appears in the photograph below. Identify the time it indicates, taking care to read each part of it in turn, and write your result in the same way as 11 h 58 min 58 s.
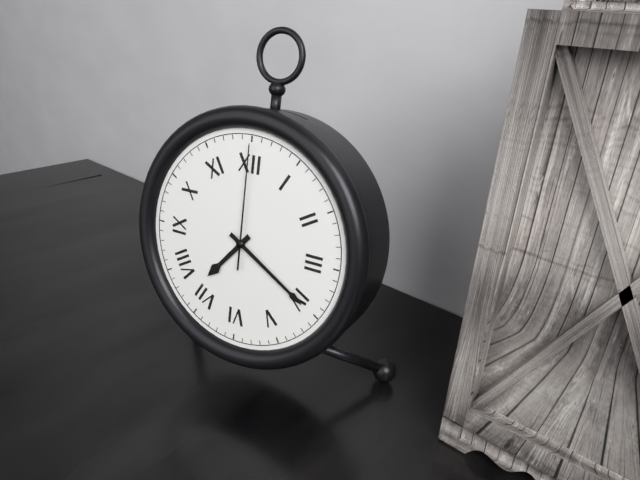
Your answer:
7 h 20 min 00 s
